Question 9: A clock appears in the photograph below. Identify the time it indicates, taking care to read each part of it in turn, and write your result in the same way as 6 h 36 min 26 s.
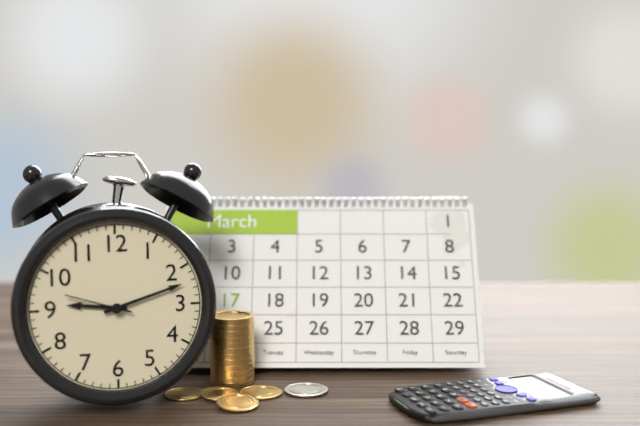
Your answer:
9 h 12 min 48 s
